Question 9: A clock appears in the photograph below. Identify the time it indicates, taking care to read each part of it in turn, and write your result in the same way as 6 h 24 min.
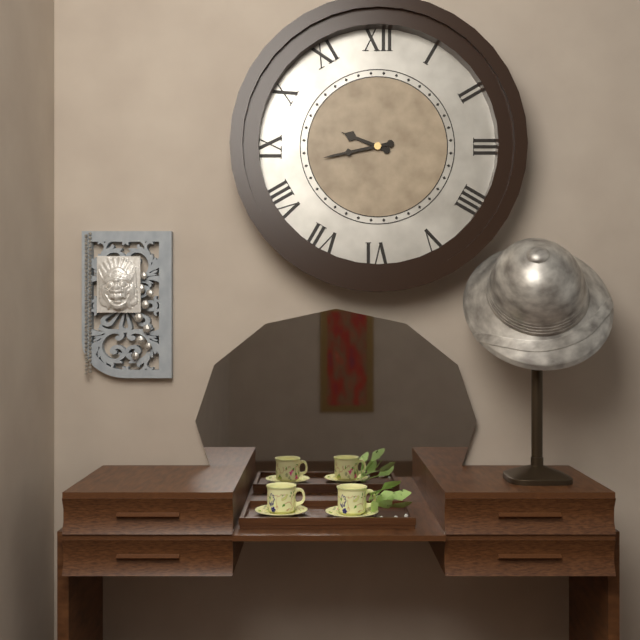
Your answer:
9 h 43 min
